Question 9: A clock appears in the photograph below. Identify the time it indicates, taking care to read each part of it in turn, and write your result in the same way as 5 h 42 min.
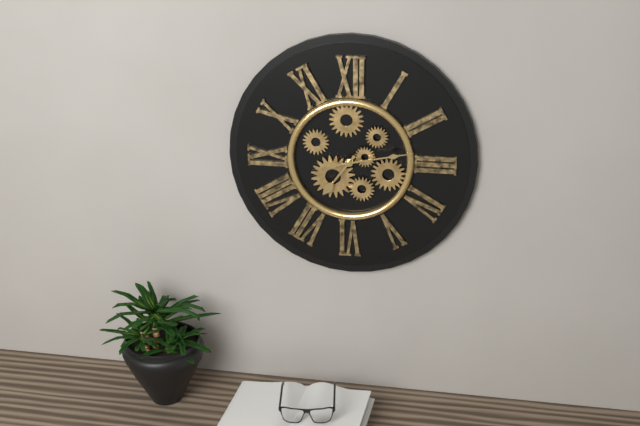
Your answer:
7 h 13 min
